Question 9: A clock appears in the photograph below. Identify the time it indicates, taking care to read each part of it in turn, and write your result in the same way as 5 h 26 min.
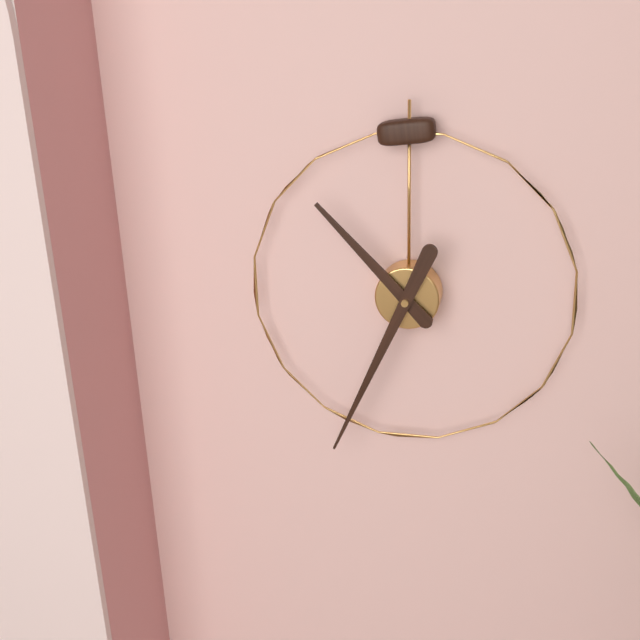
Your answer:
10 h 34 min
